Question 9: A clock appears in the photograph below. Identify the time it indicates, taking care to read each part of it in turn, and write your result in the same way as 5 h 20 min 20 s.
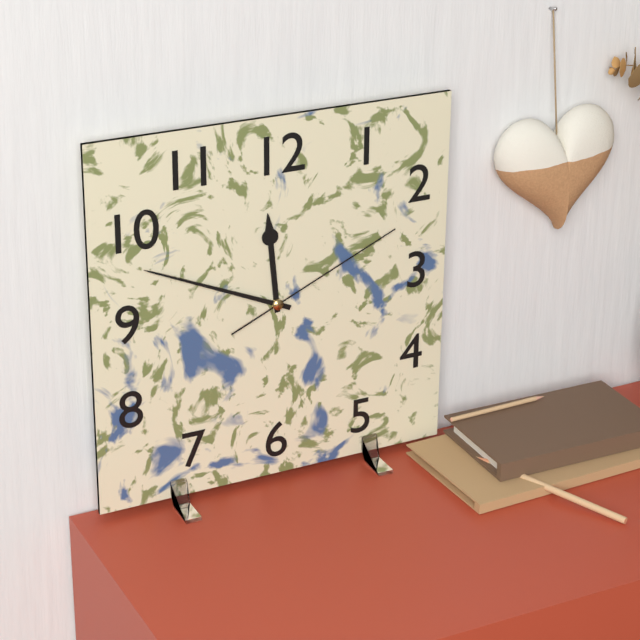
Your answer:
11 h 49 min 11 s
